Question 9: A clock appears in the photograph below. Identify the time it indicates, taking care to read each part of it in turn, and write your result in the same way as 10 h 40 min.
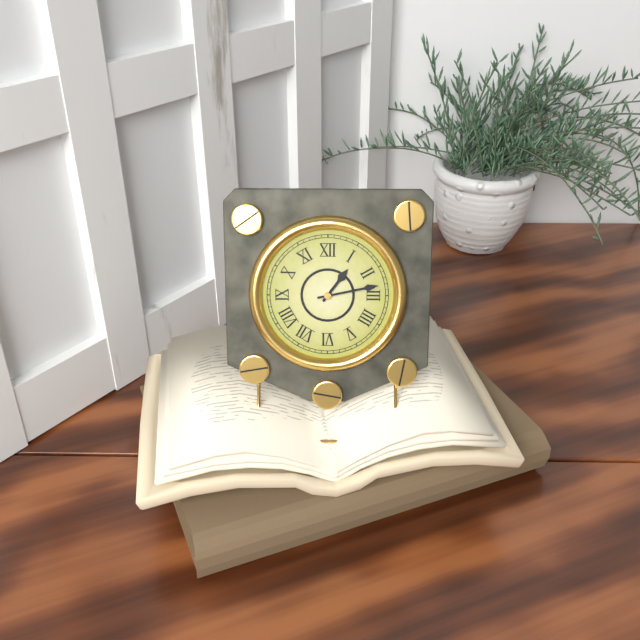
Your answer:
1 h 13 min
